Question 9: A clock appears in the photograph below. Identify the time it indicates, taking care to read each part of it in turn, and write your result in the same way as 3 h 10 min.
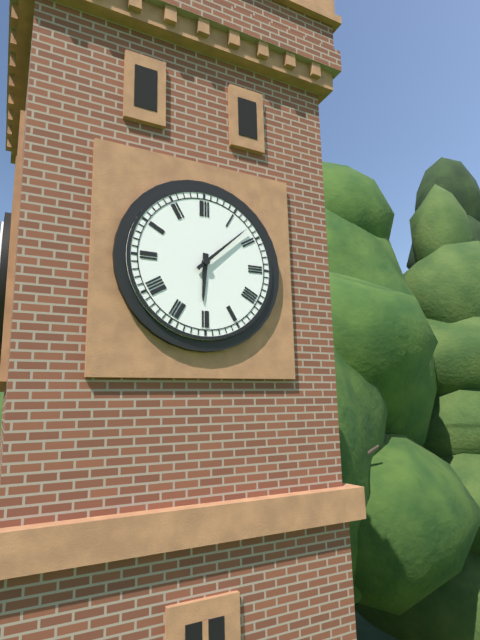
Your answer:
6 h 08 min
